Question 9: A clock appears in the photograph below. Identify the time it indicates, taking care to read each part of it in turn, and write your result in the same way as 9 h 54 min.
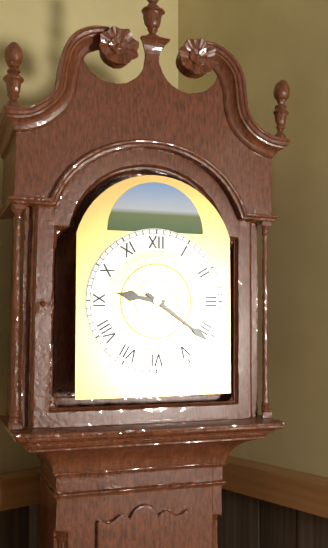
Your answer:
9 h 21 min
